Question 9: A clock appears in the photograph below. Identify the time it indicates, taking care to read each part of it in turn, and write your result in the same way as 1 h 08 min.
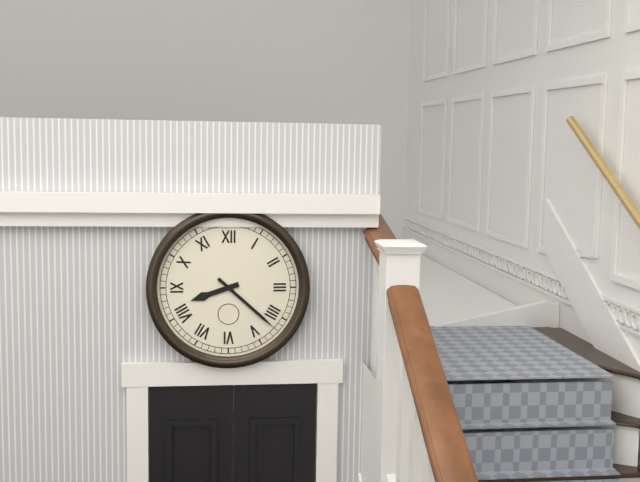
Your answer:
8 h 22 min
